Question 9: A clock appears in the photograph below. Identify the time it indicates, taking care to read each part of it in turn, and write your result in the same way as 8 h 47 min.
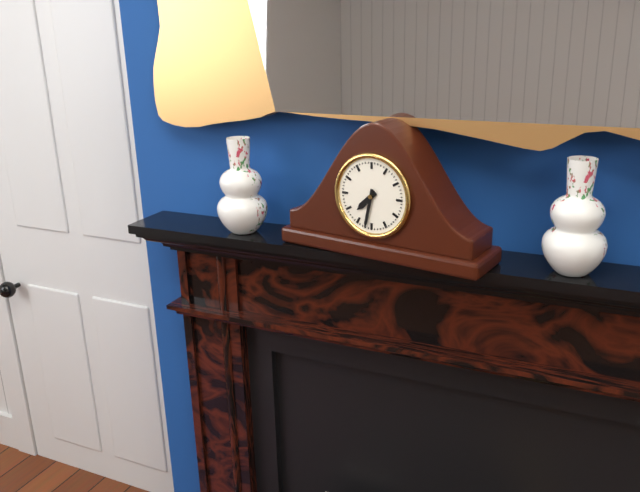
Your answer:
7 h 32 min
